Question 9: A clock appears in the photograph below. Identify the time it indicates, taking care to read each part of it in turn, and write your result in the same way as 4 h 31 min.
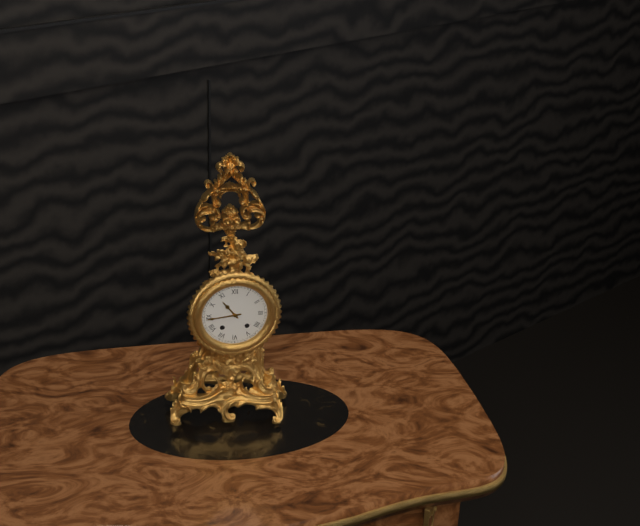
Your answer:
10 h 44 min
